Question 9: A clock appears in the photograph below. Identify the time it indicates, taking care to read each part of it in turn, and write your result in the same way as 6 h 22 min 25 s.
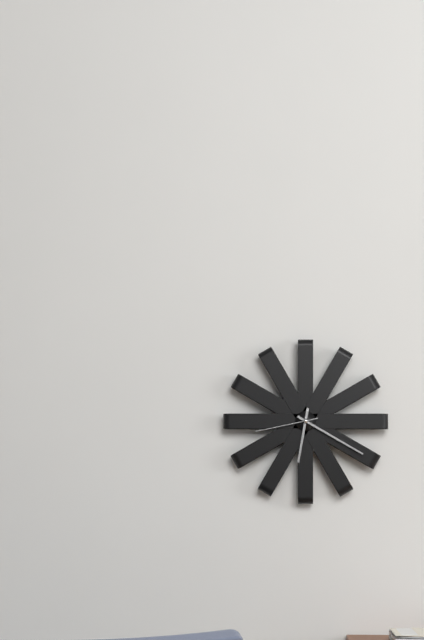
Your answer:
6 h 20 min 43 s
